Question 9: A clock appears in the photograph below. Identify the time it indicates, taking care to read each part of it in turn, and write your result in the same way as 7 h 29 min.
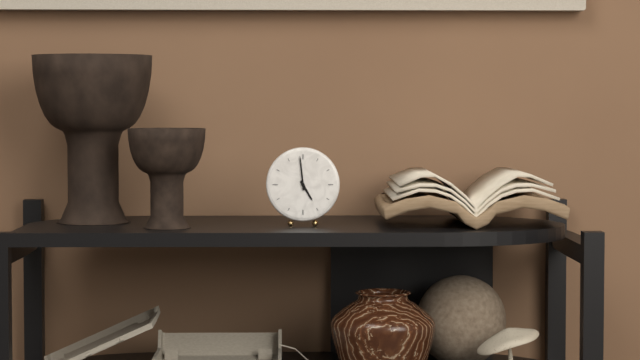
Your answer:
4 h 59 min
